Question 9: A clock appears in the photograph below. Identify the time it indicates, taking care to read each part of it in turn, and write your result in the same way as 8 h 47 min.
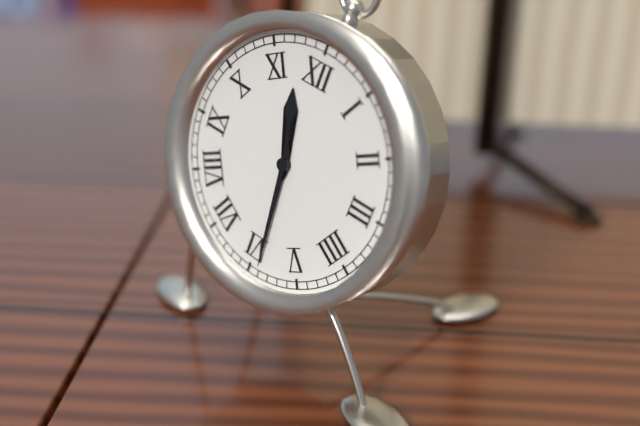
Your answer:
11 h 29 min
